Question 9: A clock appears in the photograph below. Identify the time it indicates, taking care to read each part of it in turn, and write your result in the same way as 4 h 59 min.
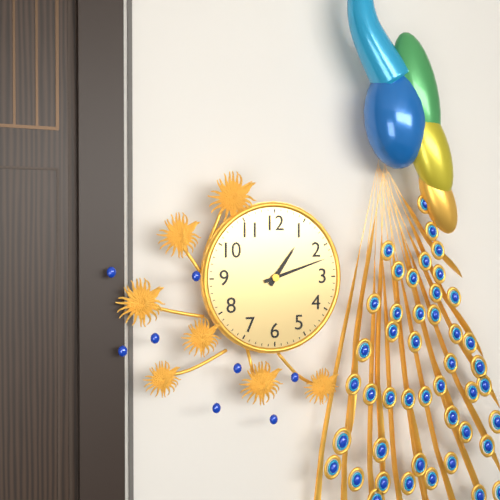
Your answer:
1 h 12 min
